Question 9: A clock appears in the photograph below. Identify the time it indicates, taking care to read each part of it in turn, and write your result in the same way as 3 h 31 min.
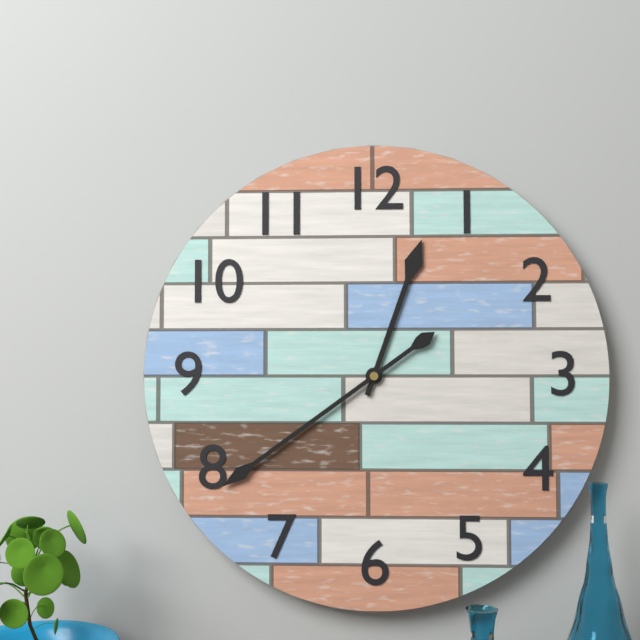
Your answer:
12 h 39 min
